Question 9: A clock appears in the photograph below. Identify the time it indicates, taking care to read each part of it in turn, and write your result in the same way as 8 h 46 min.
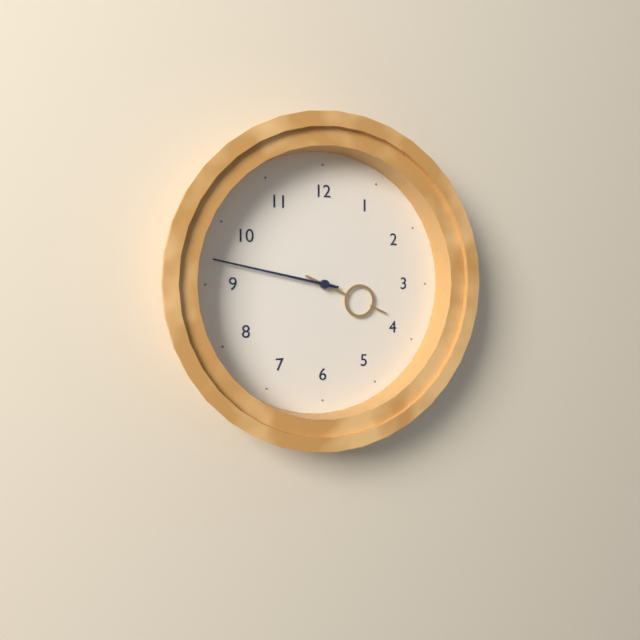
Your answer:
3 h 47 min
